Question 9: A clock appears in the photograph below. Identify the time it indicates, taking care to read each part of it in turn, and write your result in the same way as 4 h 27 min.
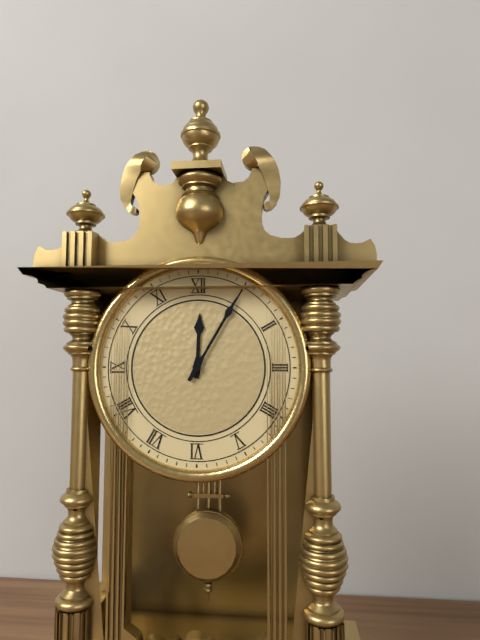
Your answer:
12 h 05 min
